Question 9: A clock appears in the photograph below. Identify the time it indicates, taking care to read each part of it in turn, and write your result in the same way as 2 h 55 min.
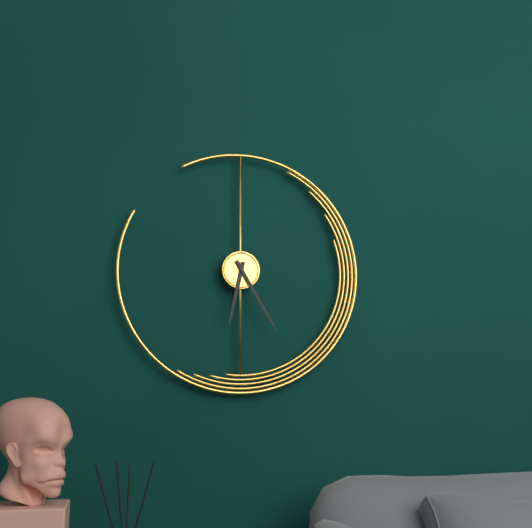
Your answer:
6 h 25 min
